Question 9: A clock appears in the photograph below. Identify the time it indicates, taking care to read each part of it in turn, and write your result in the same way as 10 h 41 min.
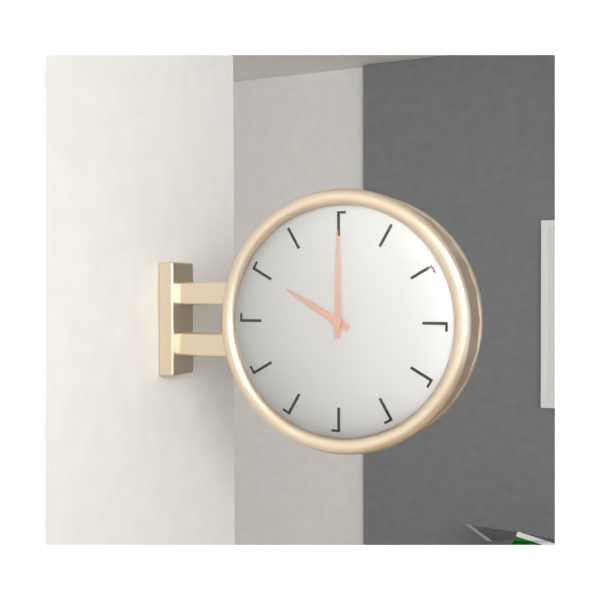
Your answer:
10 h 00 min
